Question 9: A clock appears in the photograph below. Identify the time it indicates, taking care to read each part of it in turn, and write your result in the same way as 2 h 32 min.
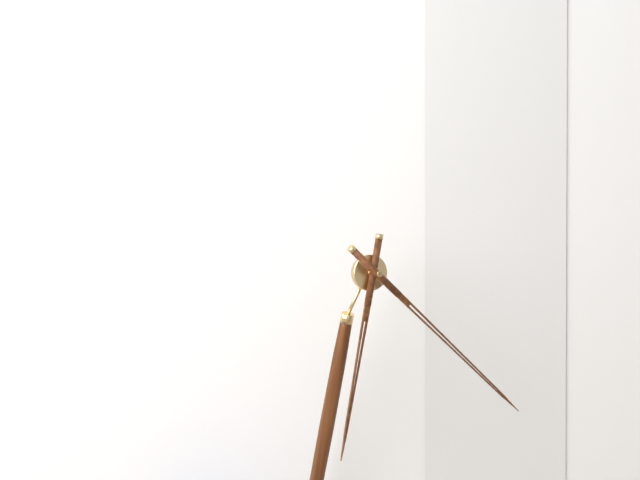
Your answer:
6 h 22 min
